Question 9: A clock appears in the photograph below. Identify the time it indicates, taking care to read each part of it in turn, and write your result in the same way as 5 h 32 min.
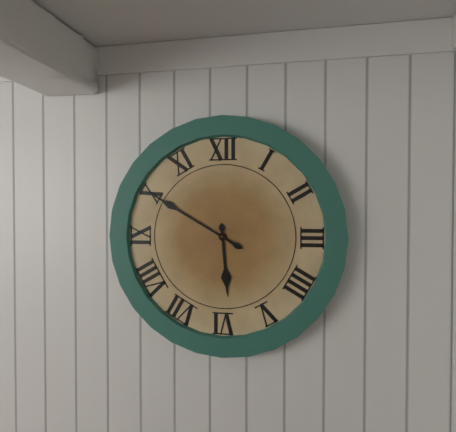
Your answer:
5 h 50 min
